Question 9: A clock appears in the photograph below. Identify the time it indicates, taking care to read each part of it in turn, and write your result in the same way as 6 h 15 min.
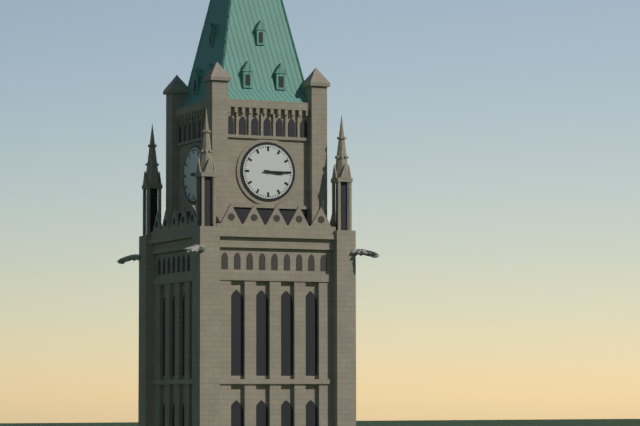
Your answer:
3 h 15 min
